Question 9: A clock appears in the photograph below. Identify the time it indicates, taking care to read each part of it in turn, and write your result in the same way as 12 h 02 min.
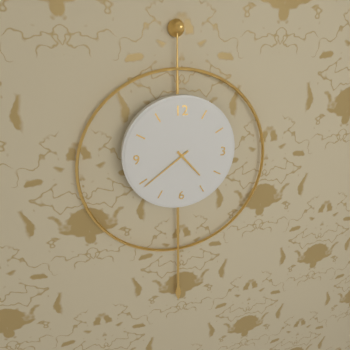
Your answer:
4 h 39 min
